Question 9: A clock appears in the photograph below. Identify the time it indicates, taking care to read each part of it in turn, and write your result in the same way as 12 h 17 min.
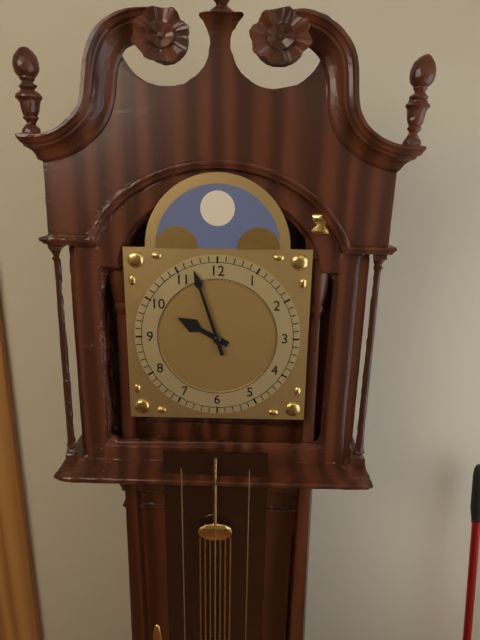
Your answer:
9 h 57 min
